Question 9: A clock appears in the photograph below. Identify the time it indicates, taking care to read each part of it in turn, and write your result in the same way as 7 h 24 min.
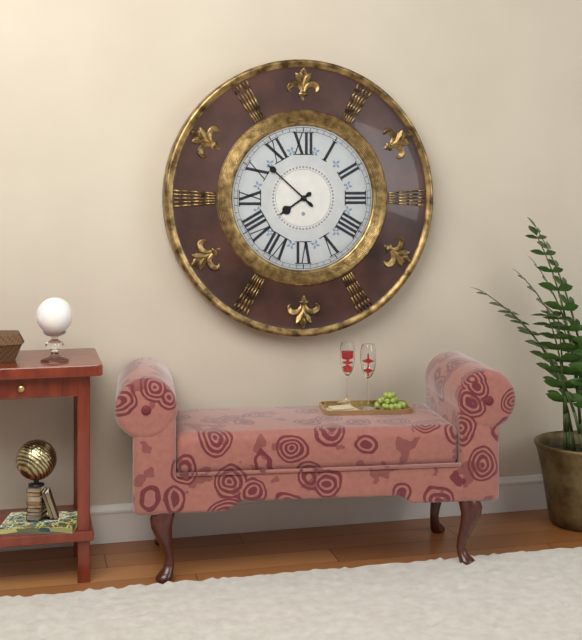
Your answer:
7 h 52 min
